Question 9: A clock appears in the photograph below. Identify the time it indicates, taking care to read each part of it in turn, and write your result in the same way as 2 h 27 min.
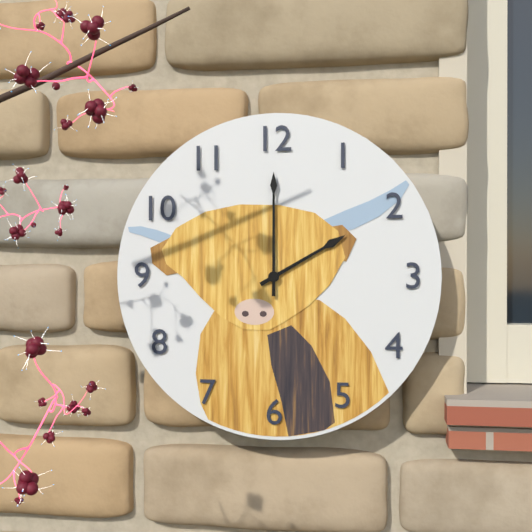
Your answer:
2 h 00 min
